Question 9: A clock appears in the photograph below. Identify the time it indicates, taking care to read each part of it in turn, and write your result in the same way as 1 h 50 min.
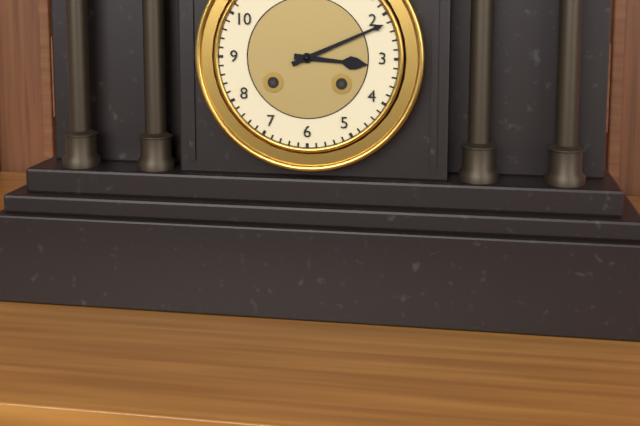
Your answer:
3 h 11 min
